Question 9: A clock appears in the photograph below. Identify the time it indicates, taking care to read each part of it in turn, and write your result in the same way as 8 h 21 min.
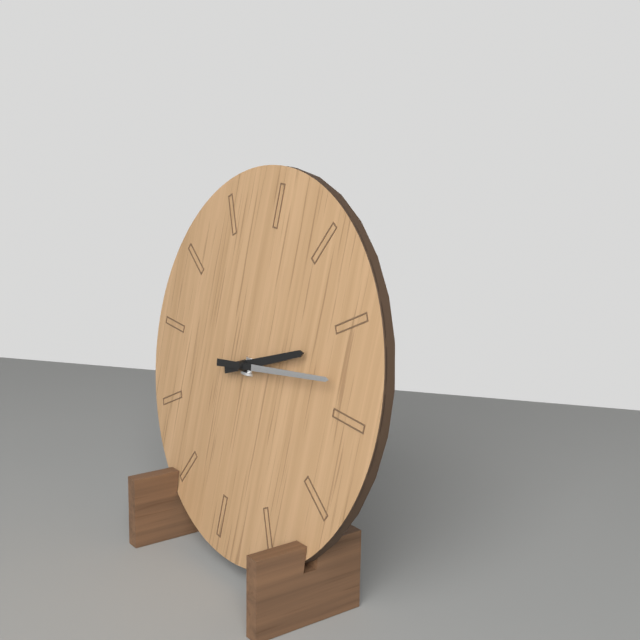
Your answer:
2 h 13 min
